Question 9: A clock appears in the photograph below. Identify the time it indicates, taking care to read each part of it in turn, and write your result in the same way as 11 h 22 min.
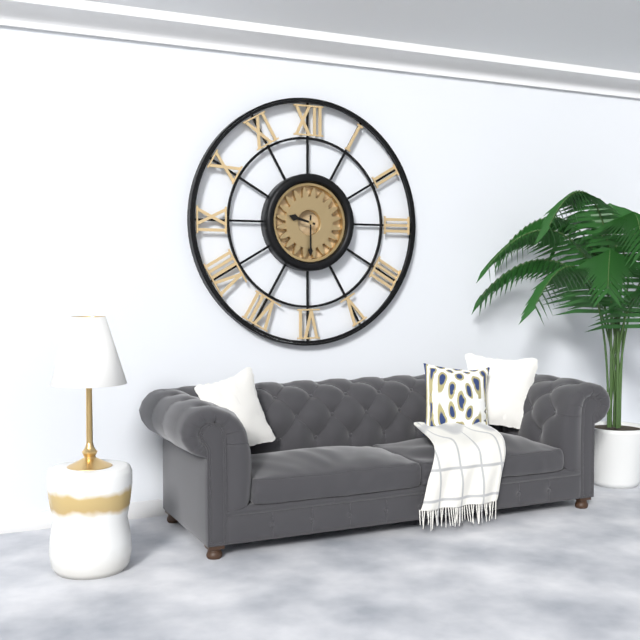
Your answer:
9 h 30 min
